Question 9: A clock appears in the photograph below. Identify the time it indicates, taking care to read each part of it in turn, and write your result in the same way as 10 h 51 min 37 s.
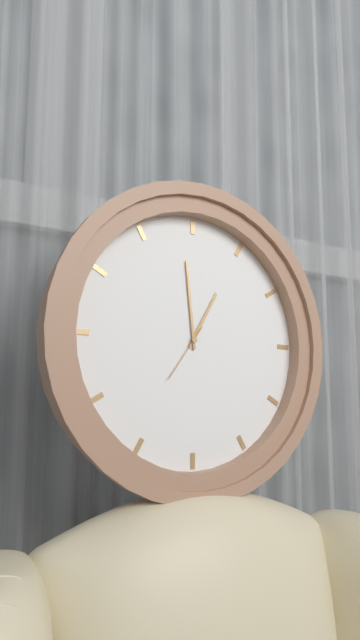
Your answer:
12 h 59 min 36 s
